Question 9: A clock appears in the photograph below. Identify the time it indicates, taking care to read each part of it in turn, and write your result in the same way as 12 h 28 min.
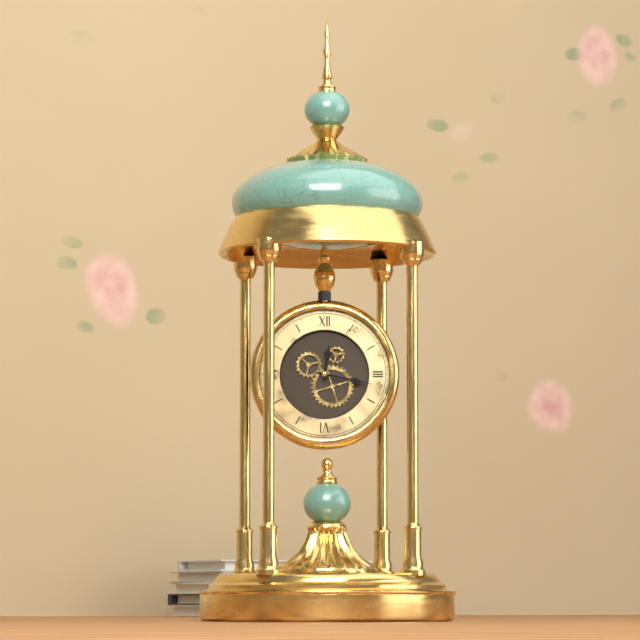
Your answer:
12 h 17 min
